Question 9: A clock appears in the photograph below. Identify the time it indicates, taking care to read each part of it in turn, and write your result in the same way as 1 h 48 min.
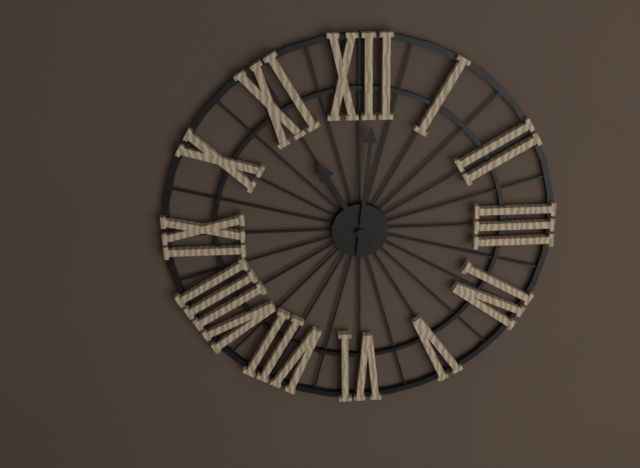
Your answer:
11 h 01 min
